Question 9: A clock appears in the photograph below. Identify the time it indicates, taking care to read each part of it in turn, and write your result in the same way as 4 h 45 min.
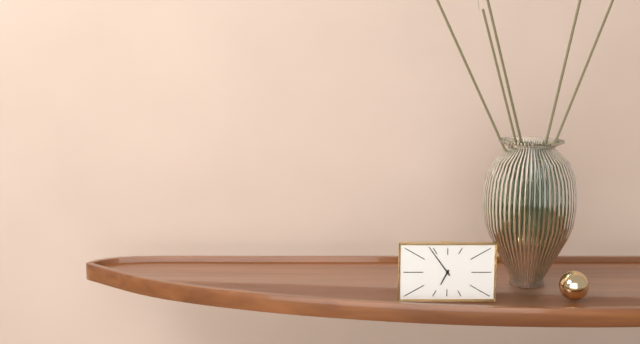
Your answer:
6 h 54 min
